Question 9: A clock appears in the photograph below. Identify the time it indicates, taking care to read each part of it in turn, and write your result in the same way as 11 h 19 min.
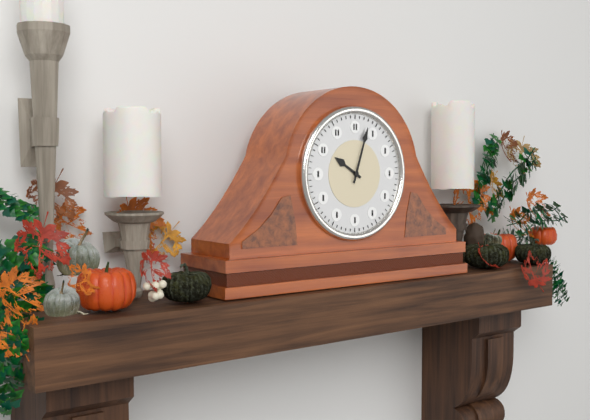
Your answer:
10 h 03 min
